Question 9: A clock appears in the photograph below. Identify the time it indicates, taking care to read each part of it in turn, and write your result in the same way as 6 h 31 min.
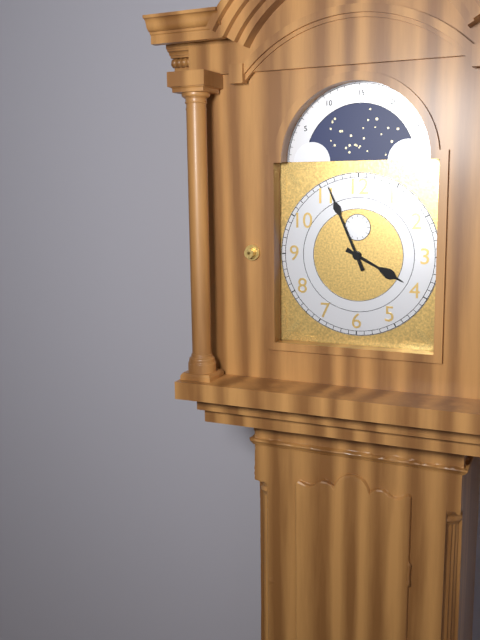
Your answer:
3 h 56 min
